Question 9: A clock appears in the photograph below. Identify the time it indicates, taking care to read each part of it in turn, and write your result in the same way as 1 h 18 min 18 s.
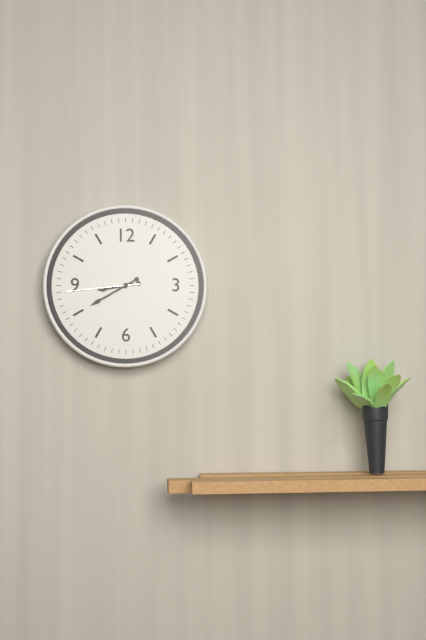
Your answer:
8 h 40 min 44 s
